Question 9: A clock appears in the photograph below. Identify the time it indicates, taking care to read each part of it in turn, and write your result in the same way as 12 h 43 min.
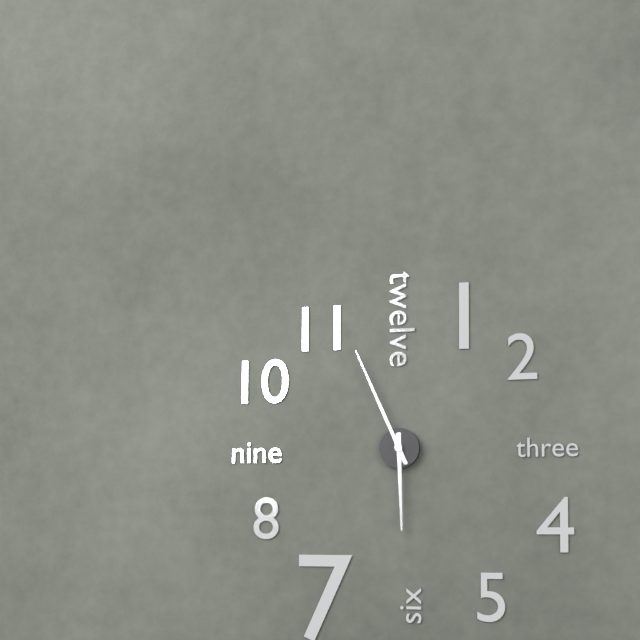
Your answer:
5 h 56 min
